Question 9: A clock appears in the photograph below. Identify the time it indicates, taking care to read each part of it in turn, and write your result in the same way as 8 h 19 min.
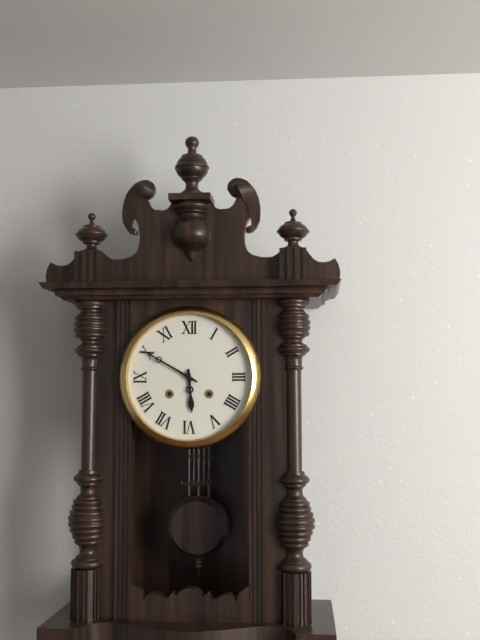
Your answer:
5 h 50 min
